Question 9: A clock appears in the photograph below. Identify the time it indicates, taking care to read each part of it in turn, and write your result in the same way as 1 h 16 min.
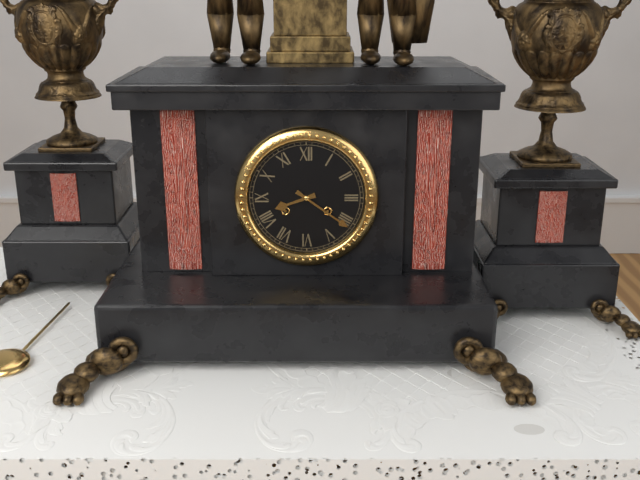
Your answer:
8 h 21 min
